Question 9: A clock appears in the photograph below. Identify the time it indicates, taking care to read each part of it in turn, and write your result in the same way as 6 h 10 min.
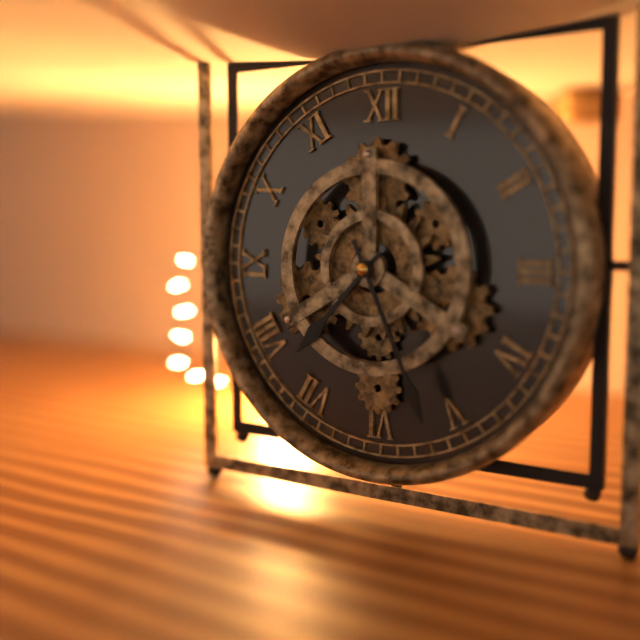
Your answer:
7 h 26 min
